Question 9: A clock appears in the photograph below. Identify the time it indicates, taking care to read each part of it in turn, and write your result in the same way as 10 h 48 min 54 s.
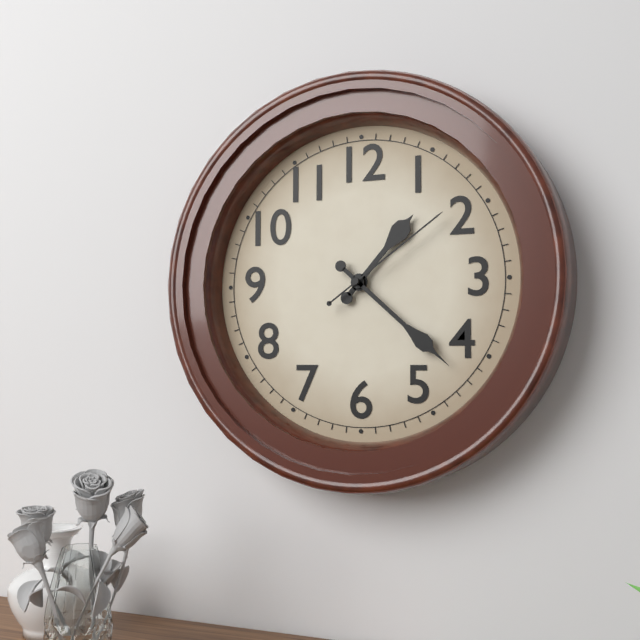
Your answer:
1 h 22 min 09 s
